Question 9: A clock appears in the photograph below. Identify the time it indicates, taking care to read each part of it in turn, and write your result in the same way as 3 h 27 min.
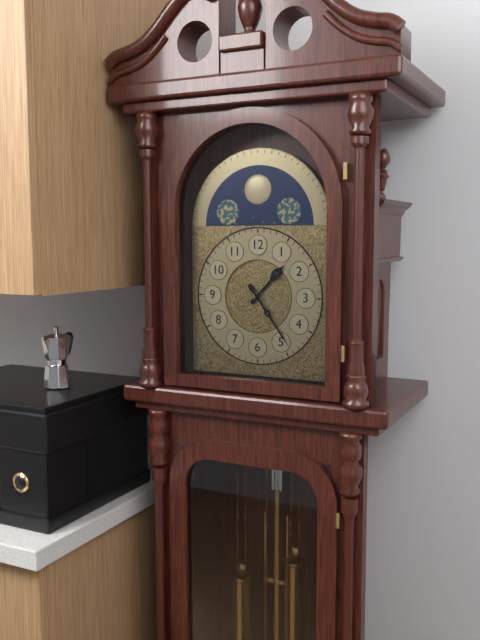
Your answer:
1 h 24 min
